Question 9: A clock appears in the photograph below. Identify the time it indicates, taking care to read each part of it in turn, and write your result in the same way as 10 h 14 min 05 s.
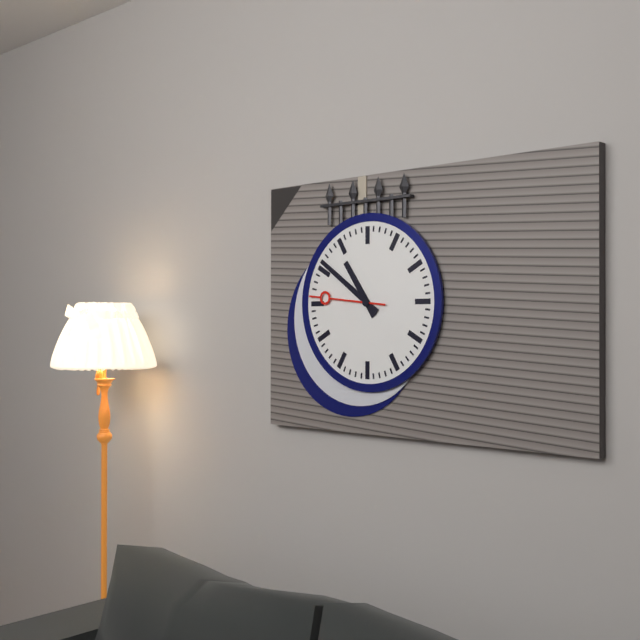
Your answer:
10 h 51 min 46 s
